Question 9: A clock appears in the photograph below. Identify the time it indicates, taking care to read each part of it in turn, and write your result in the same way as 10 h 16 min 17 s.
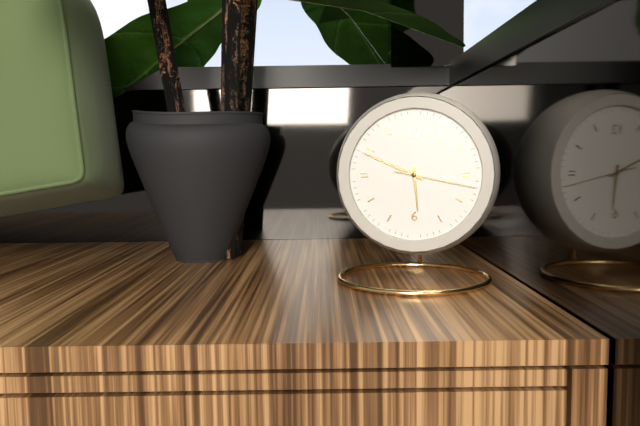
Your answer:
5 h 49 min 17 s
